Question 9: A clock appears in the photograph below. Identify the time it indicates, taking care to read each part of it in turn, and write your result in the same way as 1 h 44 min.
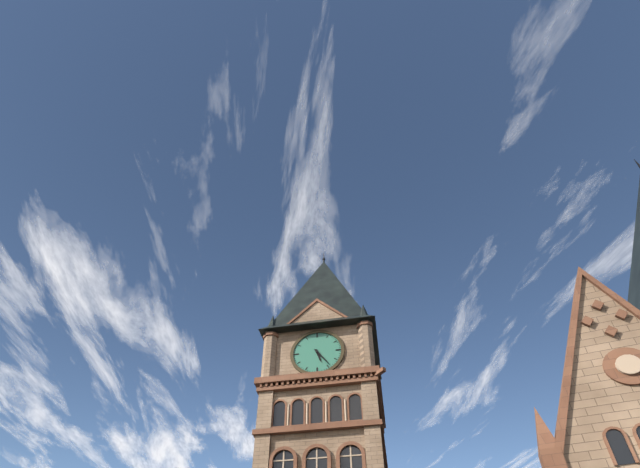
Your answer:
5 h 24 min
